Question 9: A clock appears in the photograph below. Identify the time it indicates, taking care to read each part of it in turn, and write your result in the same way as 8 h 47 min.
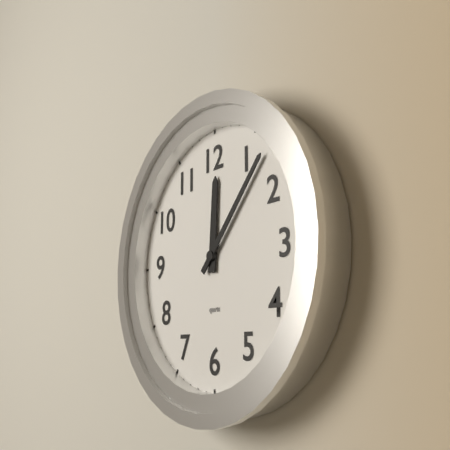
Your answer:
12 h 07 min
